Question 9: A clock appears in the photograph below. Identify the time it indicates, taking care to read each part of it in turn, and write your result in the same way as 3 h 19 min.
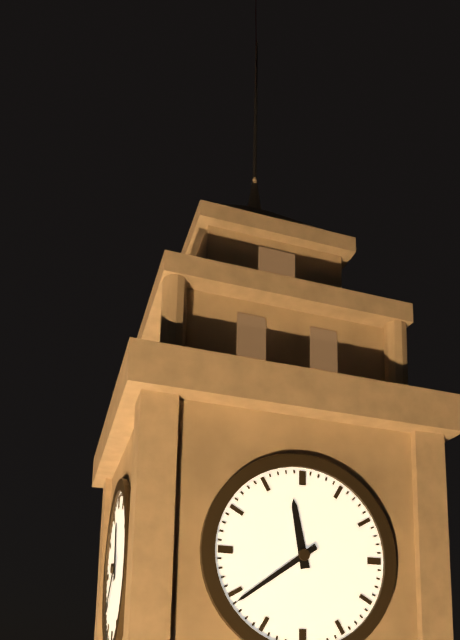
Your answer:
11 h 39 min
